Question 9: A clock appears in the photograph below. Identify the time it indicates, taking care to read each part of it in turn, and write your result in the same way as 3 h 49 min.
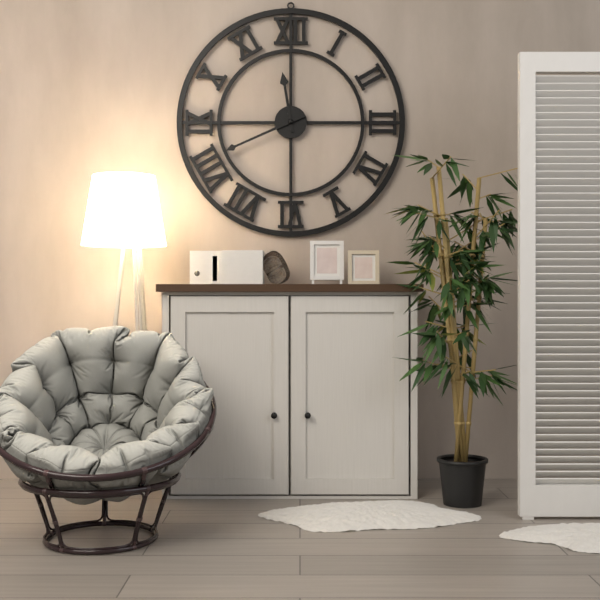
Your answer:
11 h 41 min
